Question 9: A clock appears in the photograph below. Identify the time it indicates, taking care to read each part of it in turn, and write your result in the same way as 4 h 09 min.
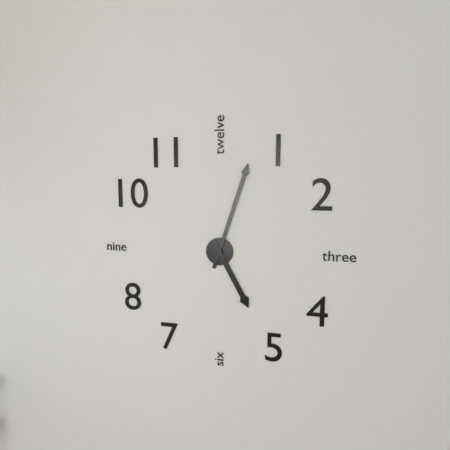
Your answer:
5 h 03 min
